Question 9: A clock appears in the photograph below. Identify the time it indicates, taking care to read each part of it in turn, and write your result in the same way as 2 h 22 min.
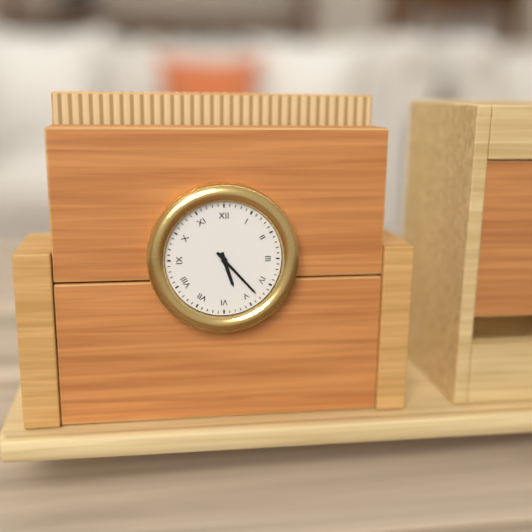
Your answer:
5 h 23 min
